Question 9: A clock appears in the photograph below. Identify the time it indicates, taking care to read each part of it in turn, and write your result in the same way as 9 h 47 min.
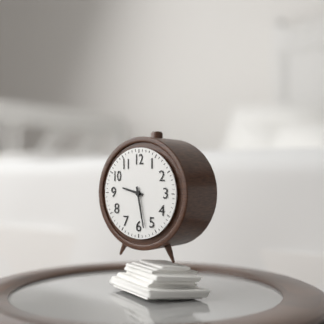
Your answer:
9 h 28 min
